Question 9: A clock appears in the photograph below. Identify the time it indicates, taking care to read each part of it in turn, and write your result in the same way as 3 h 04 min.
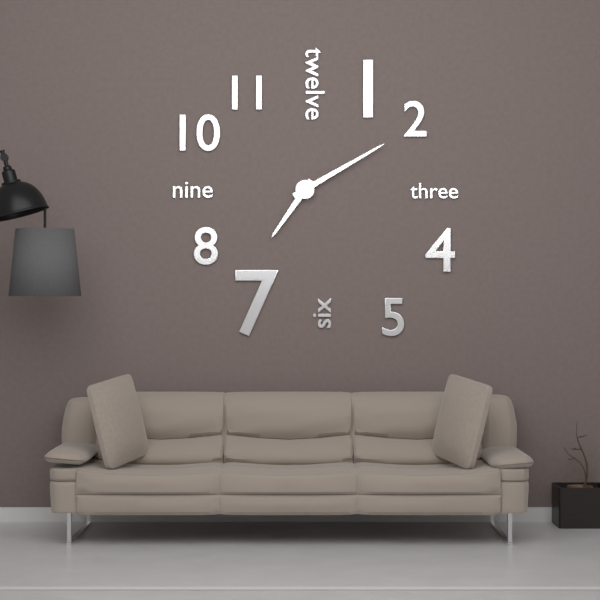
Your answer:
7 h 10 min
